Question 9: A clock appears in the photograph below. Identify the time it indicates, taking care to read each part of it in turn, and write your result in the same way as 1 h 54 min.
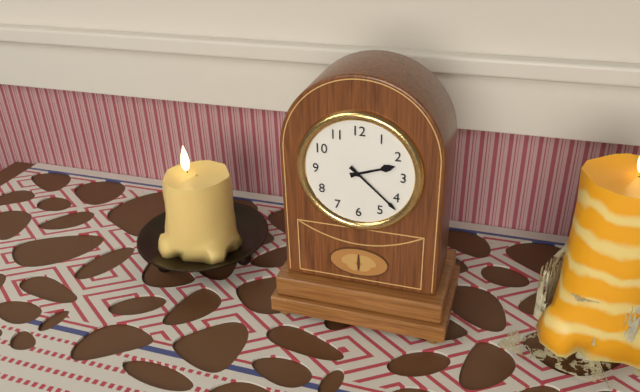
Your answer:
2 h 22 min
